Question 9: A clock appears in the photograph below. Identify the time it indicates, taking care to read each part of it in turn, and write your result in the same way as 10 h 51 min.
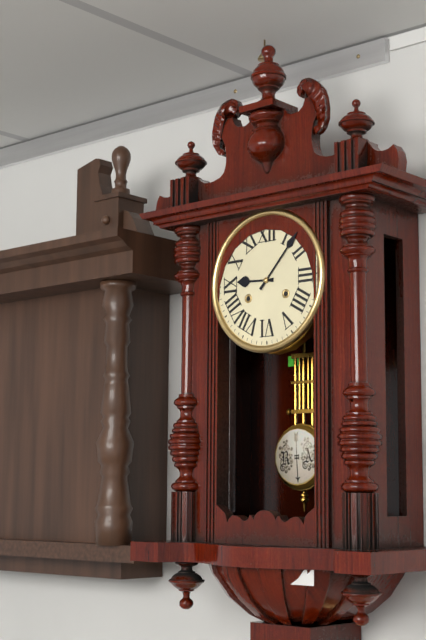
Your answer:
9 h 07 min
